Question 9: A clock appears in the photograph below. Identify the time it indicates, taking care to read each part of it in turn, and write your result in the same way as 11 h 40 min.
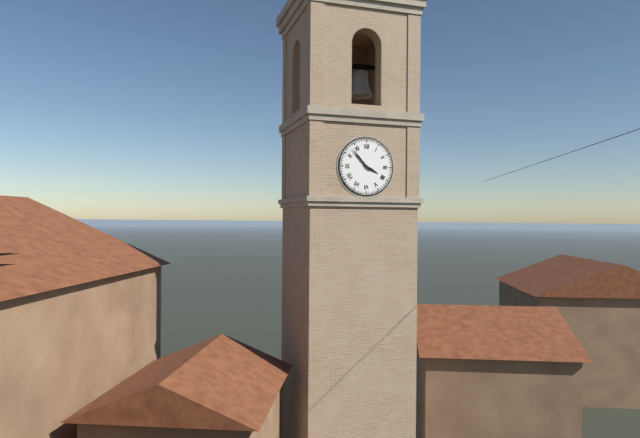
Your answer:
3 h 53 min
